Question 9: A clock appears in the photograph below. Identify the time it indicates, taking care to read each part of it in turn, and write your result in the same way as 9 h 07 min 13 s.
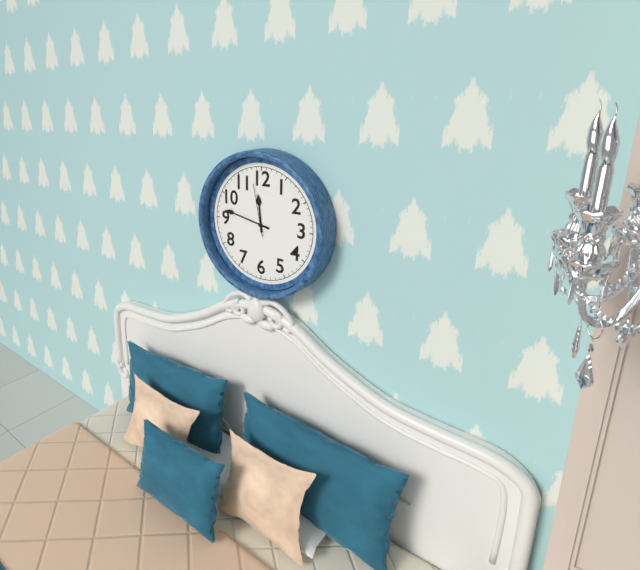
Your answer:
11 h 47 min 58 s
